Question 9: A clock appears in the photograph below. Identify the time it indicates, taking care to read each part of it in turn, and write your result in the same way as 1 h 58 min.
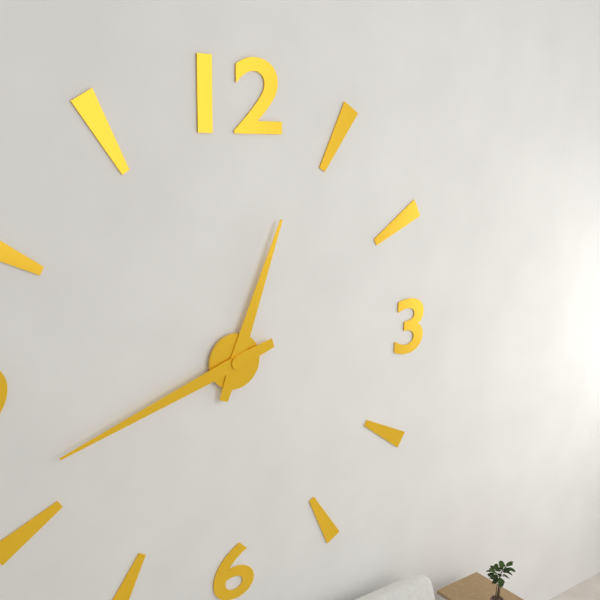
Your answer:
12 h 42 min
